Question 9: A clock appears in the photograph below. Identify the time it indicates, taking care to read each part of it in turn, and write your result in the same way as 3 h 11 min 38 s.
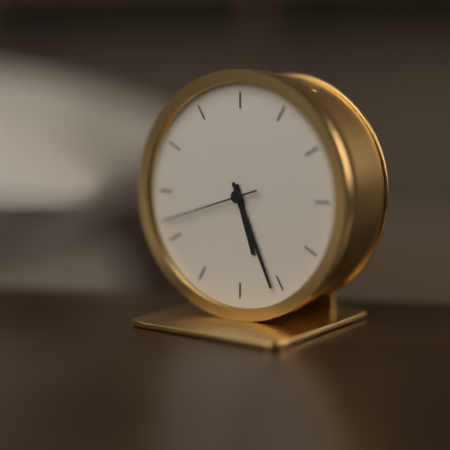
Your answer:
5 h 26 min 42 s
